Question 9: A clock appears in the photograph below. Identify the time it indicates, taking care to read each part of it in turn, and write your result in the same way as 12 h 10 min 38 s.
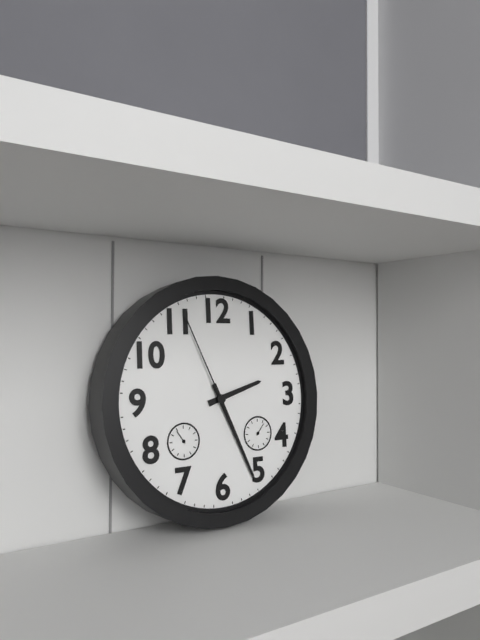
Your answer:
2 h 26 min 56 s
